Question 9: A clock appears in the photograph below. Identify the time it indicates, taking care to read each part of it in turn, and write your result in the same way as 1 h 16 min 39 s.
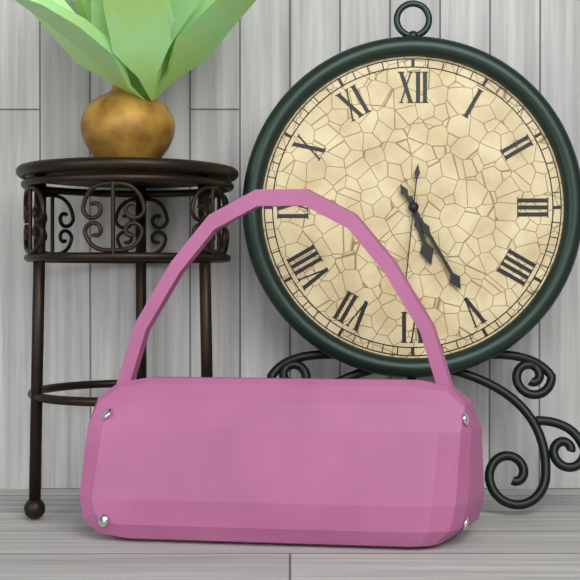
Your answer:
5 h 25 min 31 s
